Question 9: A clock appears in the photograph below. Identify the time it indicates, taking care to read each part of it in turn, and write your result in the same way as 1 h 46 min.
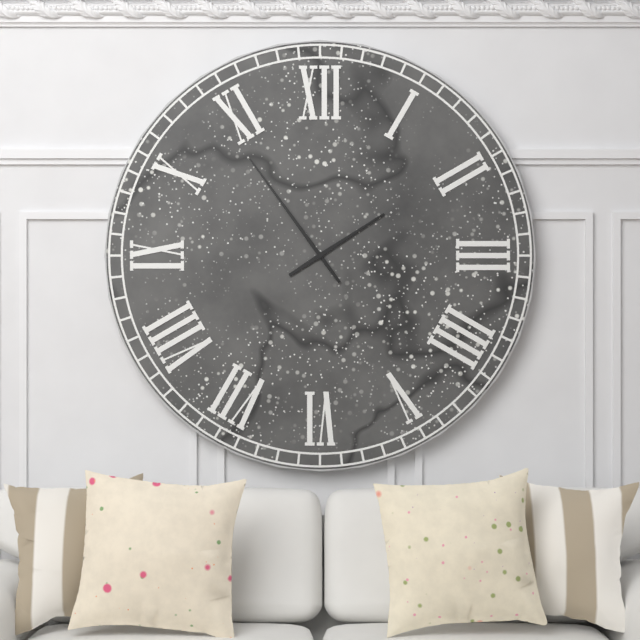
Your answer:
1 h 54 min
